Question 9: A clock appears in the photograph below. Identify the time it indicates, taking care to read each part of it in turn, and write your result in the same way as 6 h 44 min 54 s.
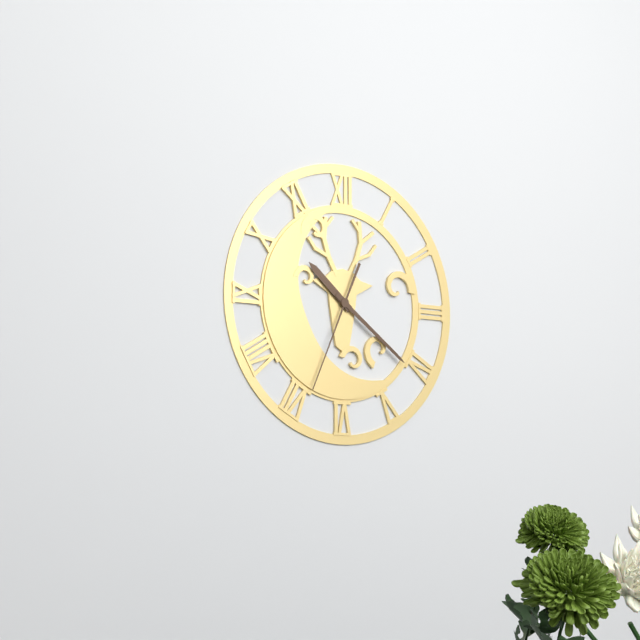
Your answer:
10 h 21 min 34 s
